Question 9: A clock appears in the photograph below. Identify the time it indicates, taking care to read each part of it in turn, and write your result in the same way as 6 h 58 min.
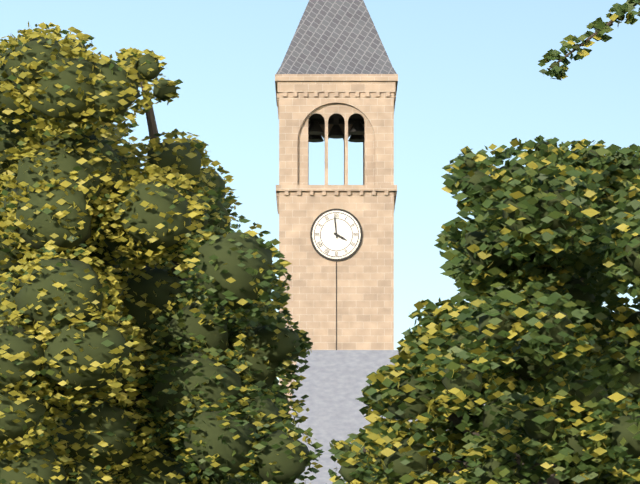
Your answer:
3 h 59 min
